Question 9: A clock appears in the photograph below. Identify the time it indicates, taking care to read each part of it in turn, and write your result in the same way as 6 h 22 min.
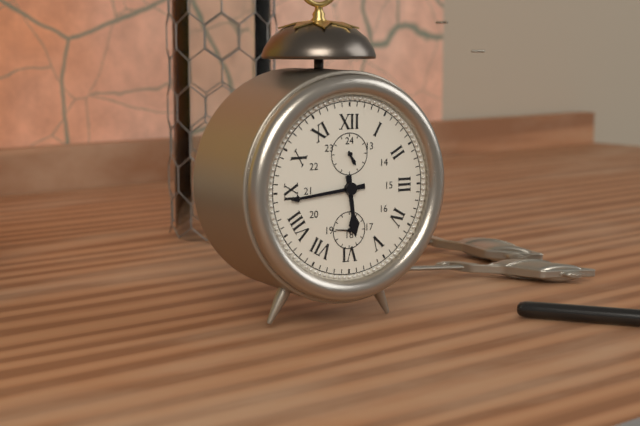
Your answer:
5 h 44 min
